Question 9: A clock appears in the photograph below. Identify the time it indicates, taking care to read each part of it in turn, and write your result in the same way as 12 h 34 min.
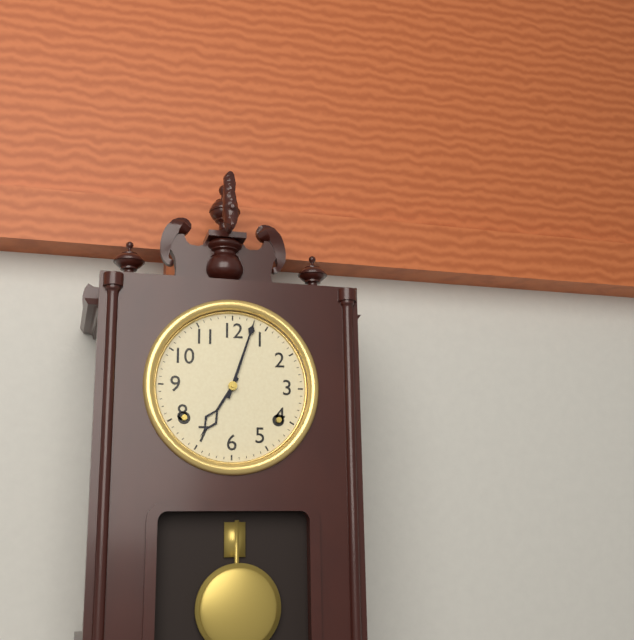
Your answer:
7 h 03 min
